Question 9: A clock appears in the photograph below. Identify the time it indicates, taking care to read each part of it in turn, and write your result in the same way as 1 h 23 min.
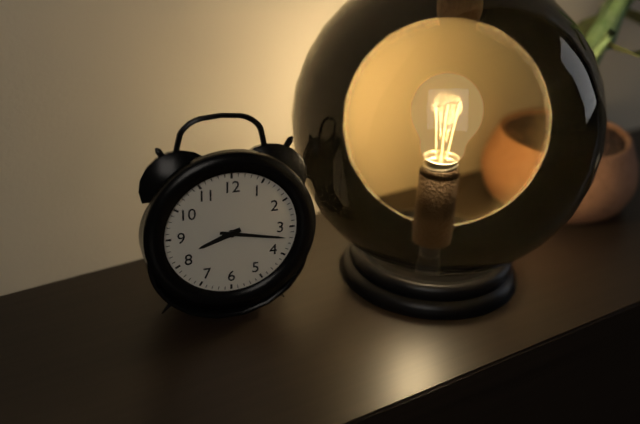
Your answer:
8 h 17 min
